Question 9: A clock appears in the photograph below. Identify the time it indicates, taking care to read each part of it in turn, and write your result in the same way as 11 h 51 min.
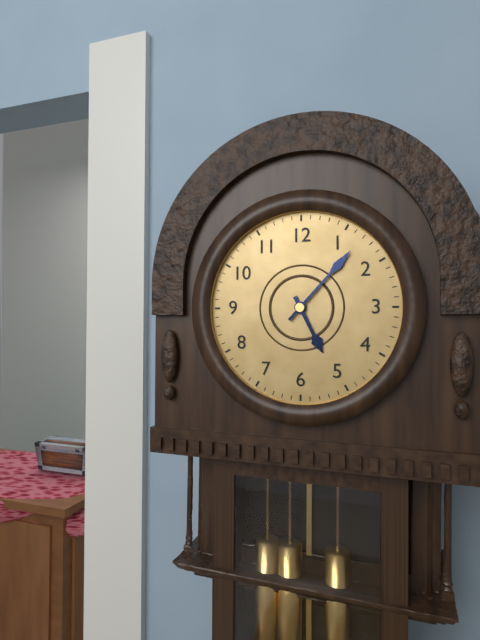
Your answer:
5 h 07 min
